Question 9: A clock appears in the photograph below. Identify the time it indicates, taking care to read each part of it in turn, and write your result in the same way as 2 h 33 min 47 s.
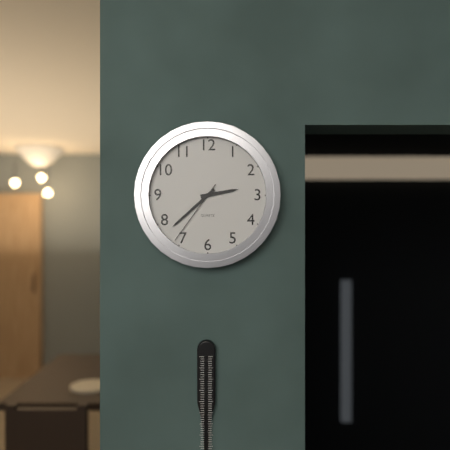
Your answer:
2 h 38 min 36 s
